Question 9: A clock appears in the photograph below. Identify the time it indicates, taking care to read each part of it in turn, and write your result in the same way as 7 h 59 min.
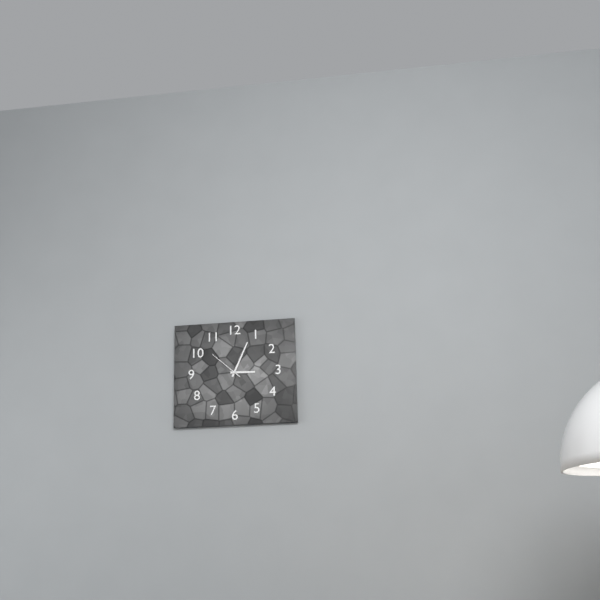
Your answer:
3 h 04 min
